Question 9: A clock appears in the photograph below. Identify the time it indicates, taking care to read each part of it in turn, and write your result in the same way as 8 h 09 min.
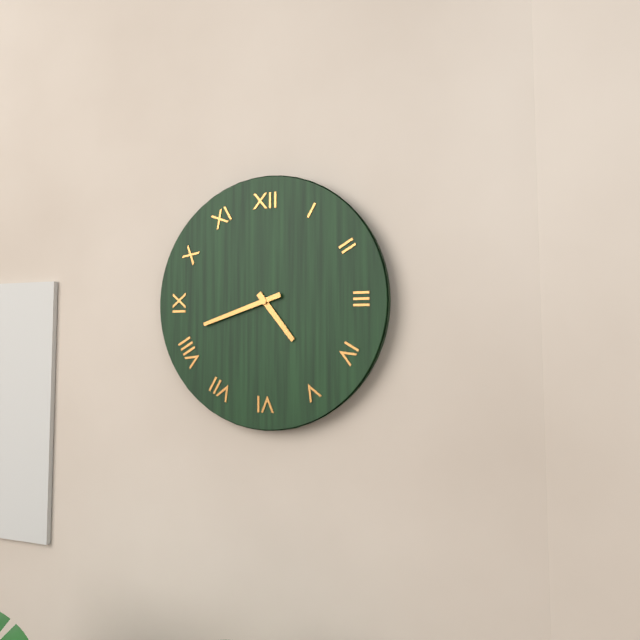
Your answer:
4 h 42 min
